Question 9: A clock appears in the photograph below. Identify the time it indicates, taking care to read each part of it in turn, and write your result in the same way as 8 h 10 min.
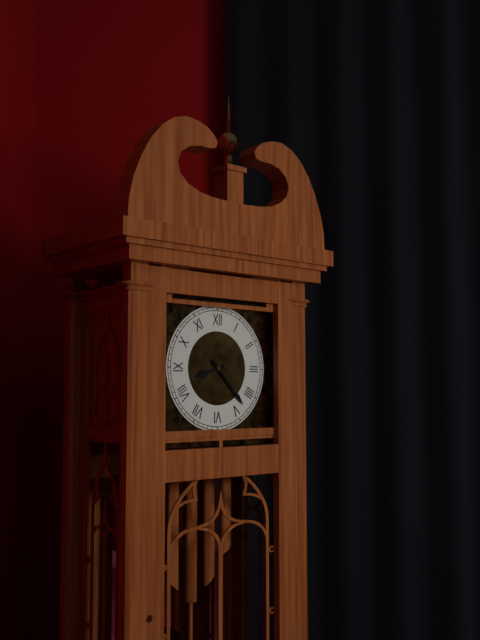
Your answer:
8 h 23 min
